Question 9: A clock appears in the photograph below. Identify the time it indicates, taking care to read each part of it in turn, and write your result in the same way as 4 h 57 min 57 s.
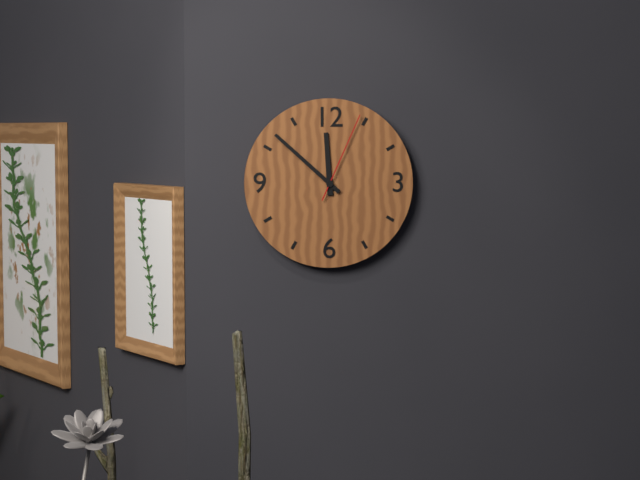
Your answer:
11 h 52 min 04 s
